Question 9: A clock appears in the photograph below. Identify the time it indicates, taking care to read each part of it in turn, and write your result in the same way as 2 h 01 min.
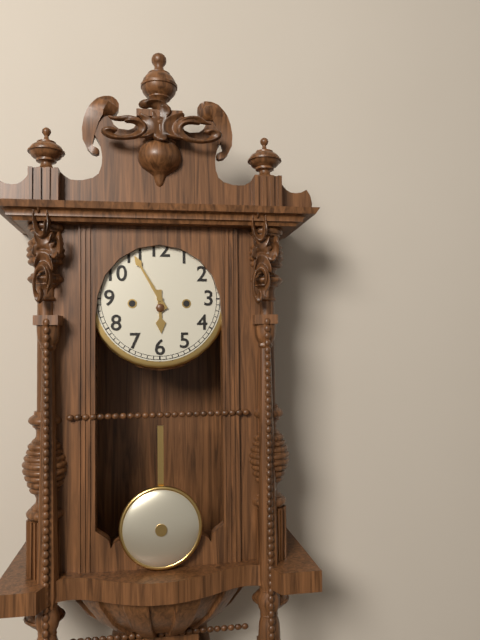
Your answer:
5 h 55 min
